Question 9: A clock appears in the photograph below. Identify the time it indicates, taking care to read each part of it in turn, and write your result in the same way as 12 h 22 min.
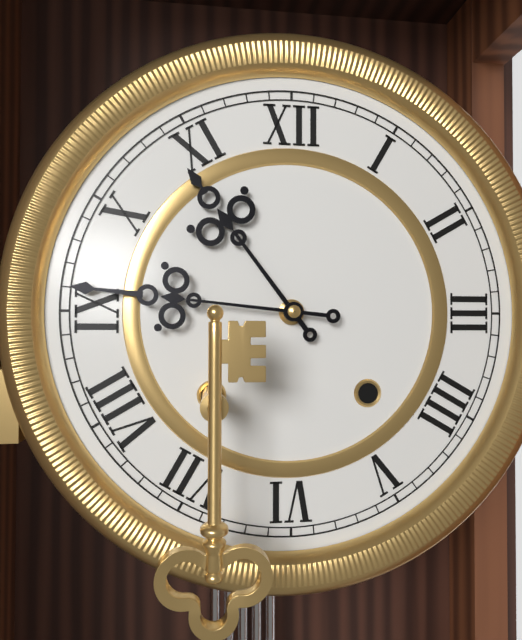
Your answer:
10 h 46 min
